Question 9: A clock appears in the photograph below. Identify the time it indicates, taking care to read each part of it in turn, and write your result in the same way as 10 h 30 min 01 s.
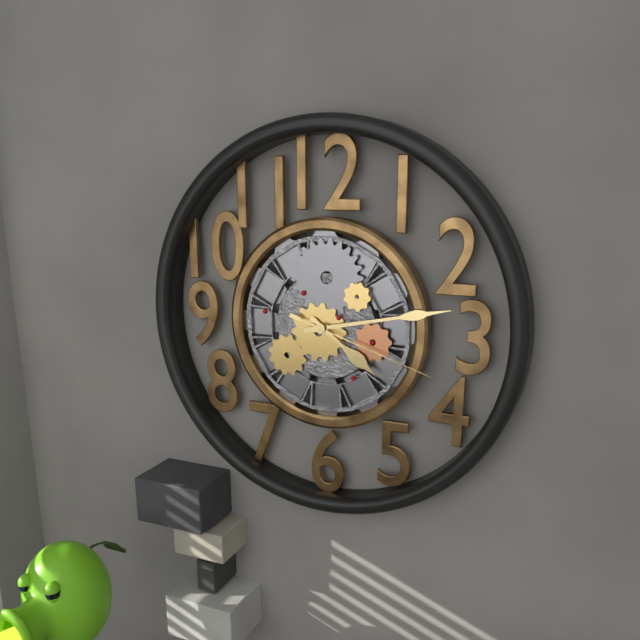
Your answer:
4 h 13 min 18 s
